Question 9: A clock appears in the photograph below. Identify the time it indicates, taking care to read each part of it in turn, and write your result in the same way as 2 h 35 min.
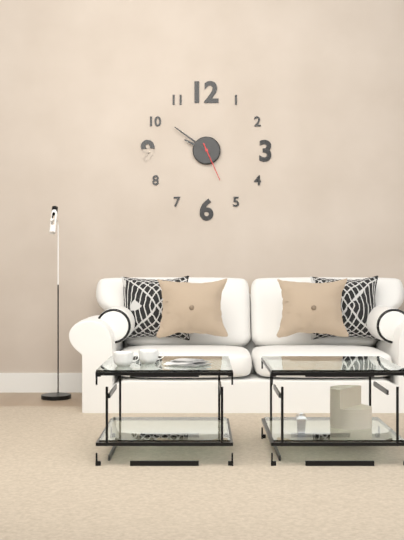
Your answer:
9 h 51 min
